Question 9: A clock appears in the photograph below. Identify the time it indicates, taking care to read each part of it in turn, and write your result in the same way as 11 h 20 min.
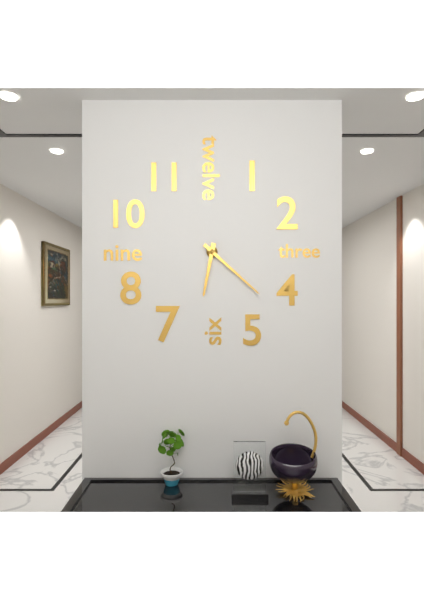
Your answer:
6 h 22 min
